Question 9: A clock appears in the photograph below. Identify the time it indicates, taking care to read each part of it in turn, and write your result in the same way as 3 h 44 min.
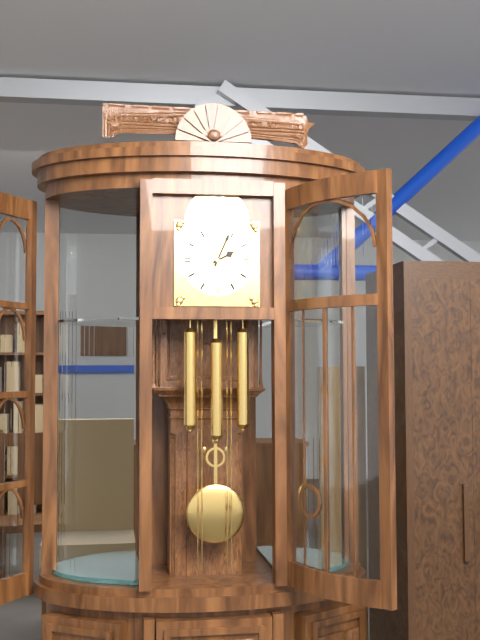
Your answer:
2 h 04 min
